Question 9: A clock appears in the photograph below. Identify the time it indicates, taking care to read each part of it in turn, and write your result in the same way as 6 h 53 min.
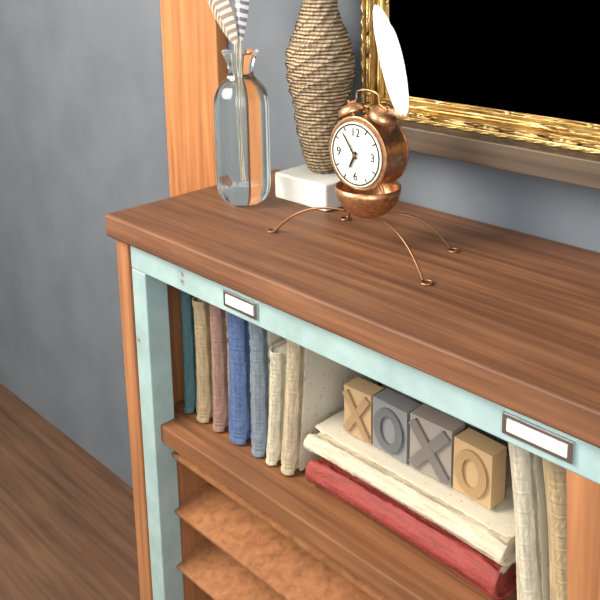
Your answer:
6 h 54 min
